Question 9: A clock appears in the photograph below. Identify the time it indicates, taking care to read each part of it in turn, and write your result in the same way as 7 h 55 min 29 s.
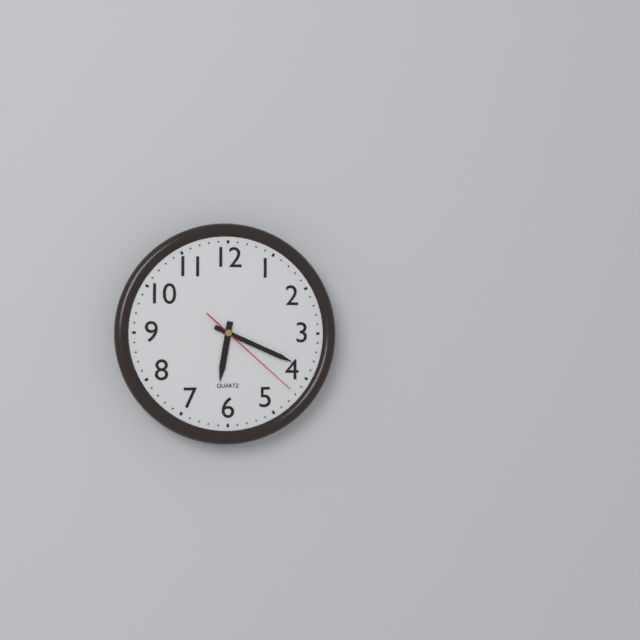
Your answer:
6 h 19 min 22 s
